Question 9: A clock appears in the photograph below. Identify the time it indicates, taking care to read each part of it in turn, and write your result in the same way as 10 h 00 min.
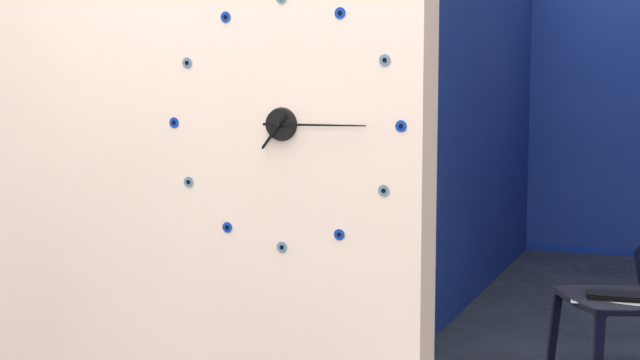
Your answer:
7 h 15 min
